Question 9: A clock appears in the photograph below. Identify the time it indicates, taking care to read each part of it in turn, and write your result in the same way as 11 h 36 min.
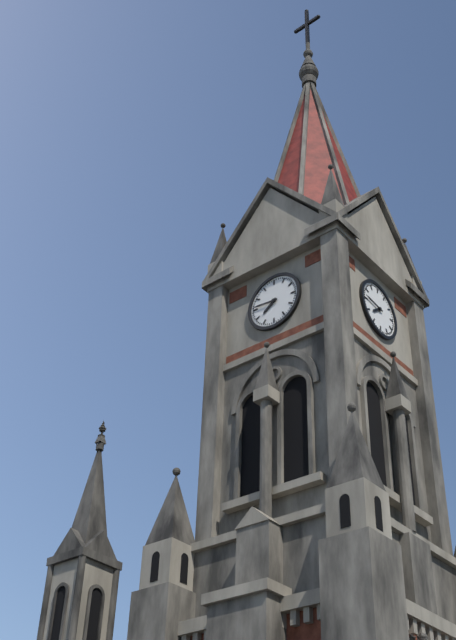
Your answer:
7 h 46 min
